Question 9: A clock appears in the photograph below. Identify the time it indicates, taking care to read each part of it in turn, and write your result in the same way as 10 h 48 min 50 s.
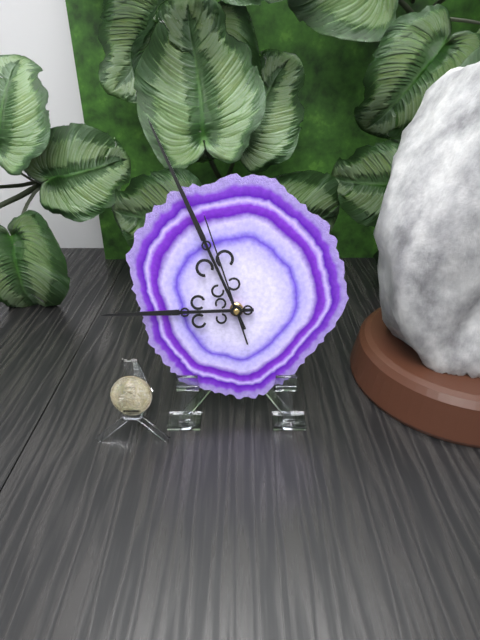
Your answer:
8 h 56 min 57 s
